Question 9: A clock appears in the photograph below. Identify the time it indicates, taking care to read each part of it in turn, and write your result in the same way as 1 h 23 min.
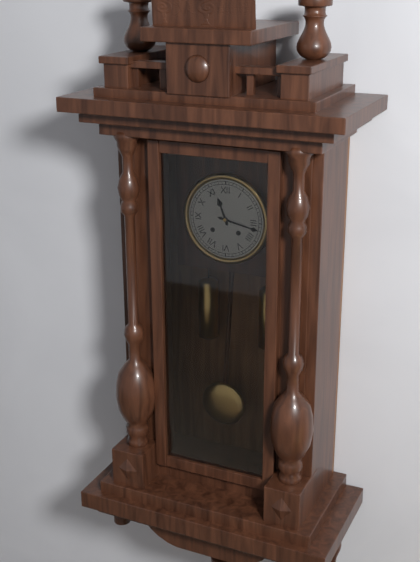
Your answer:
11 h 17 min
